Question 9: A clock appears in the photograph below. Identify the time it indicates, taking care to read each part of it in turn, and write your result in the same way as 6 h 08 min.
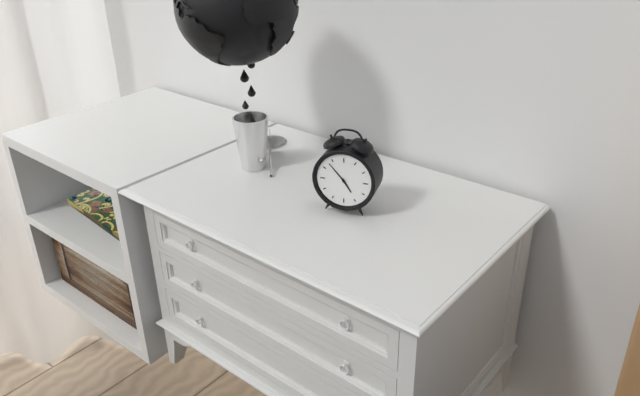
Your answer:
4 h 53 min
